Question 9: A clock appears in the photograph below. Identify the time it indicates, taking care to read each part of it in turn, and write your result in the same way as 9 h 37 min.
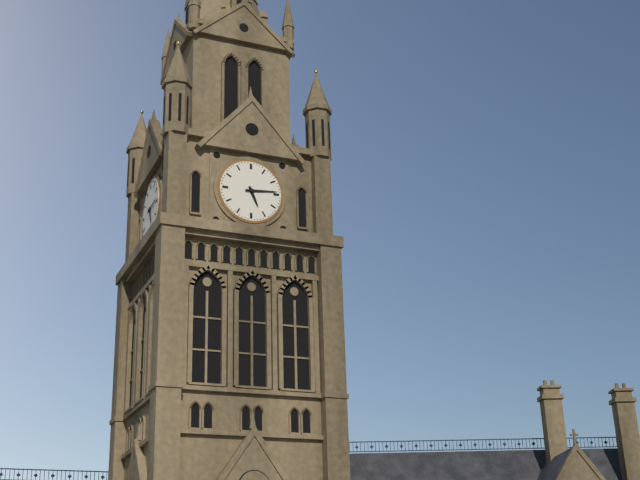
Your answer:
5 h 14 min
